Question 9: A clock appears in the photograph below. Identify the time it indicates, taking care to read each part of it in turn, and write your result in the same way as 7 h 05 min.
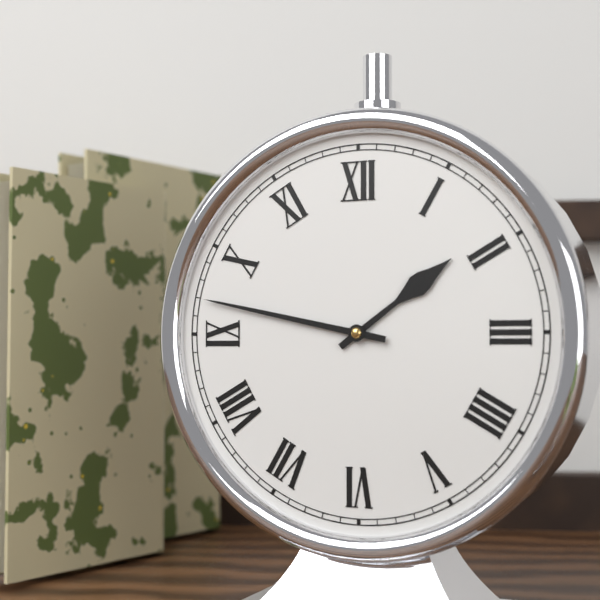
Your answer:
1 h 47 min
